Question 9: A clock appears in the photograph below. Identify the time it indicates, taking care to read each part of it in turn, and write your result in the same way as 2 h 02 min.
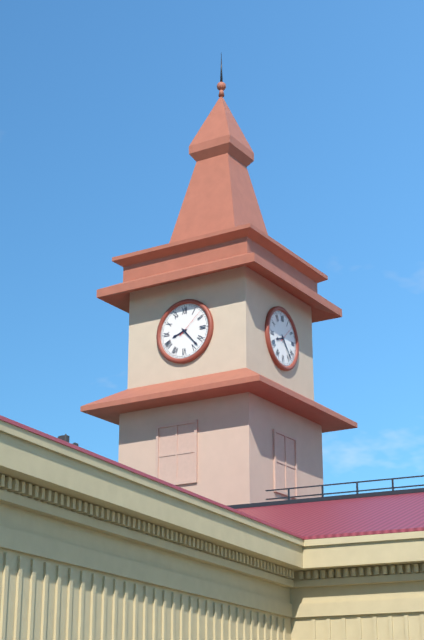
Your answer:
8 h 23 min
